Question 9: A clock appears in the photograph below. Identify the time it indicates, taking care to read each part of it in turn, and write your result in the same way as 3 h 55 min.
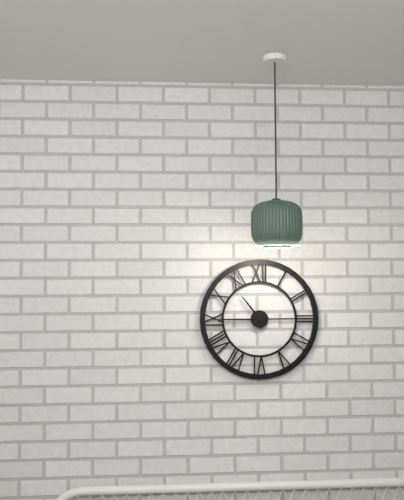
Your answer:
10 h 45 min
